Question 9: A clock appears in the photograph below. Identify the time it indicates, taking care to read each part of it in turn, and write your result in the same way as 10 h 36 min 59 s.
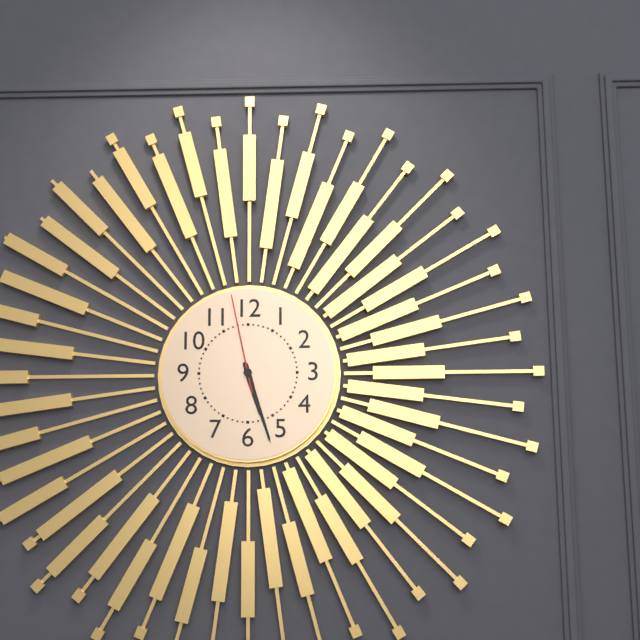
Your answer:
5 h 27 min 58 s
